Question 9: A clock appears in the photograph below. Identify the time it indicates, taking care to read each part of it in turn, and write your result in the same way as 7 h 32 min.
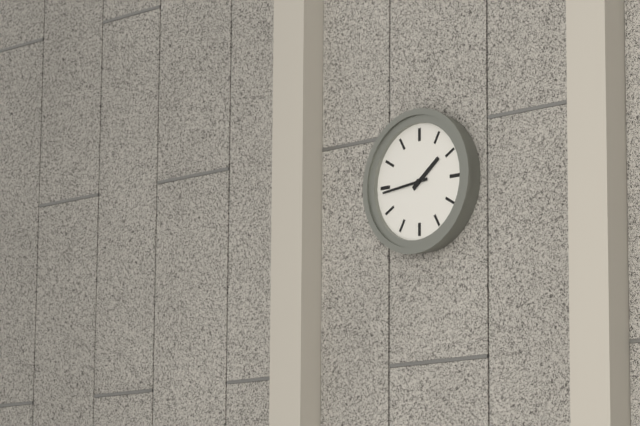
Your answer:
1 h 44 min
